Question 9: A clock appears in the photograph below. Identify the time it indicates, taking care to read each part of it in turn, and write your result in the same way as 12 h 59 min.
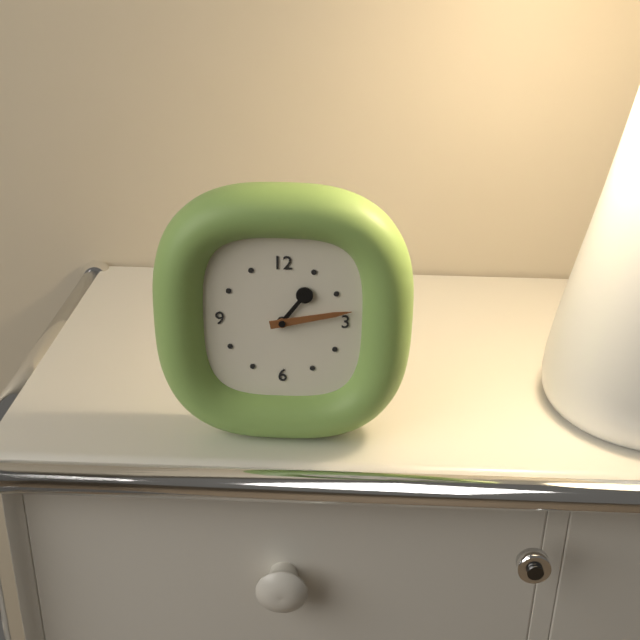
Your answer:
1 h 13 min
